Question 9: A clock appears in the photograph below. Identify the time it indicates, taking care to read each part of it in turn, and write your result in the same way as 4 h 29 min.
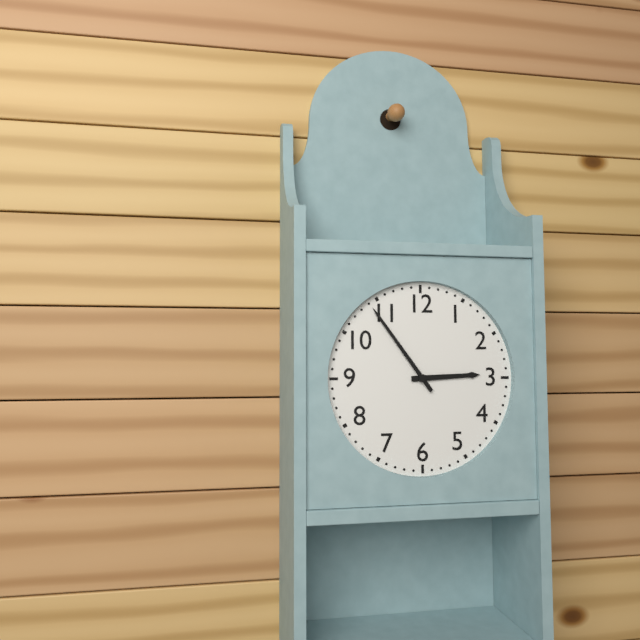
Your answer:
2 h 54 min
